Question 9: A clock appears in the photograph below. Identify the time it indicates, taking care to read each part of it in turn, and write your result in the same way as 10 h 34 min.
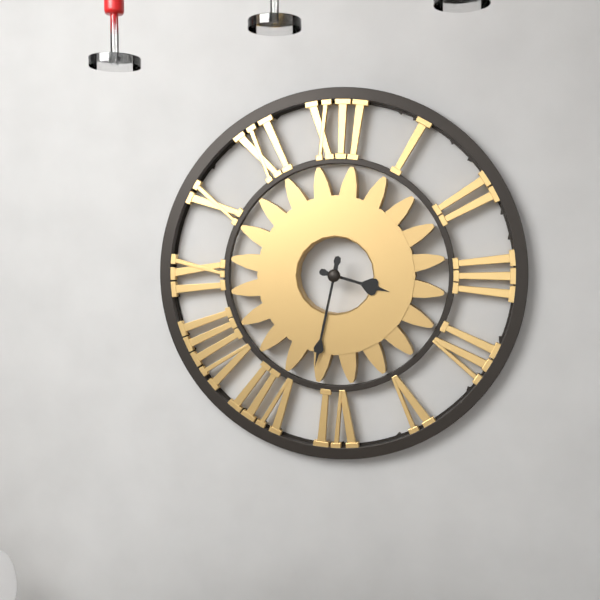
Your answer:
3 h 32 min
